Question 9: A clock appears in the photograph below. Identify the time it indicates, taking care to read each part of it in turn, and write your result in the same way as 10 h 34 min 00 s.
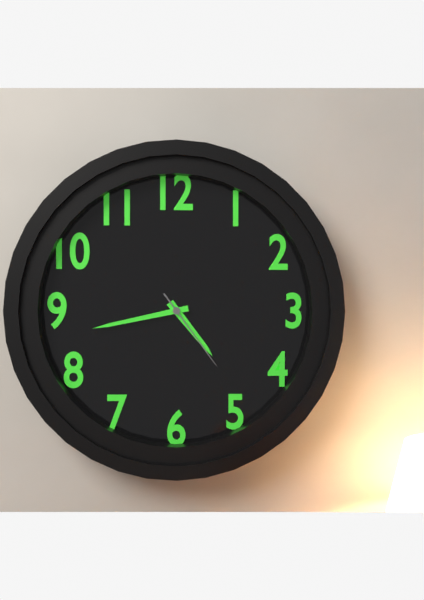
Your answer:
4 h 43 min 24 s
